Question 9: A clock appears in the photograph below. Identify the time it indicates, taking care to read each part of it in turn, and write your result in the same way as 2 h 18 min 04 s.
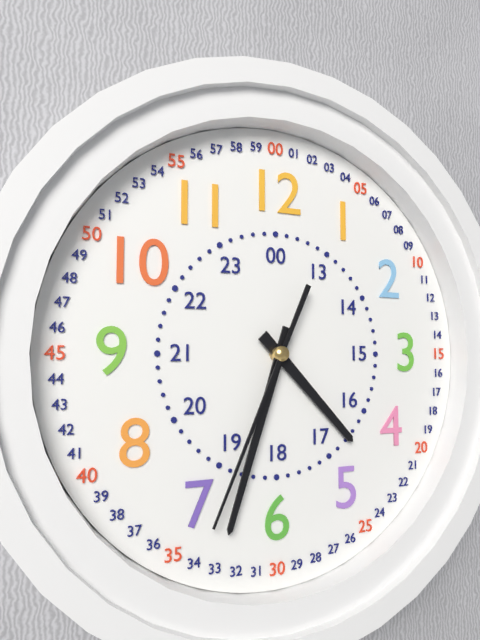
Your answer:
4 h 33 min 34 s
